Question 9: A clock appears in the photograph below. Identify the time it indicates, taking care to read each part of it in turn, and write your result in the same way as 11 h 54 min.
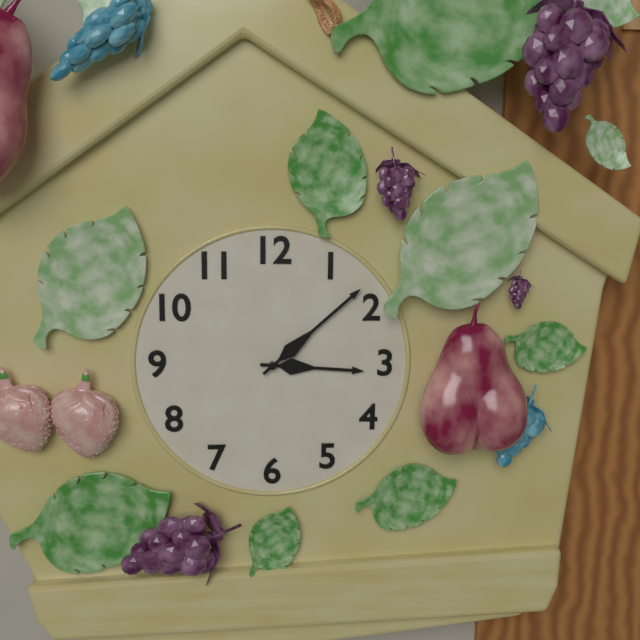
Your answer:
3 h 08 min
